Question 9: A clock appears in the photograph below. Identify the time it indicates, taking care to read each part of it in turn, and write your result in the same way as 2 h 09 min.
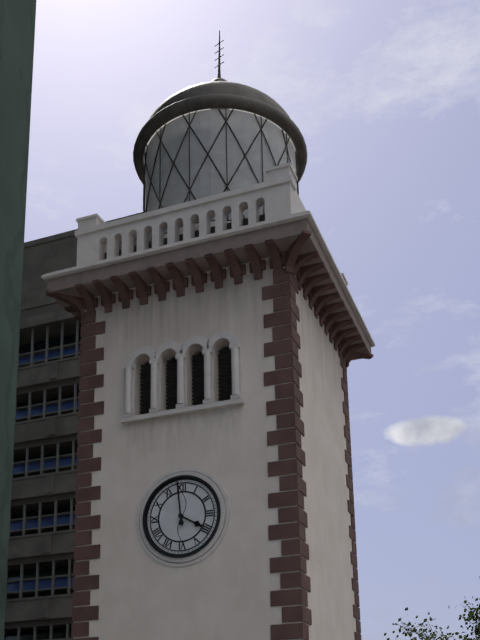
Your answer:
3 h 59 min
